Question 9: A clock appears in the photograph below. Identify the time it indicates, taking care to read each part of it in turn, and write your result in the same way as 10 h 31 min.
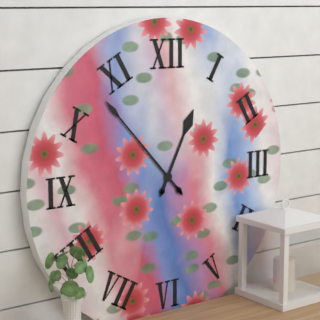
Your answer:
12 h 53 min
